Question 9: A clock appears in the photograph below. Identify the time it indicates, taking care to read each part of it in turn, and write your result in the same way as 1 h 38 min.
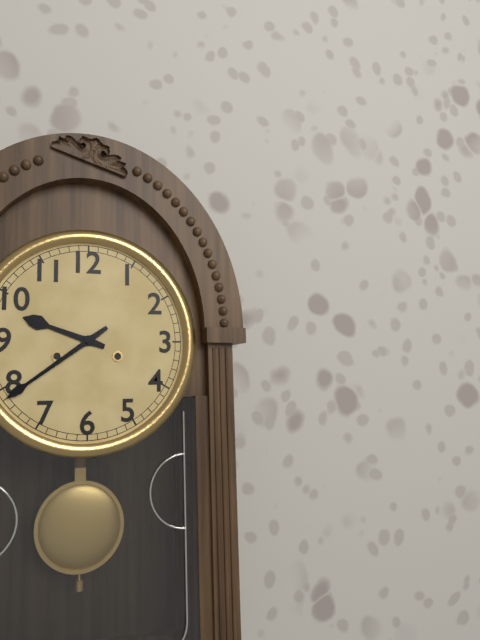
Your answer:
9 h 39 min
